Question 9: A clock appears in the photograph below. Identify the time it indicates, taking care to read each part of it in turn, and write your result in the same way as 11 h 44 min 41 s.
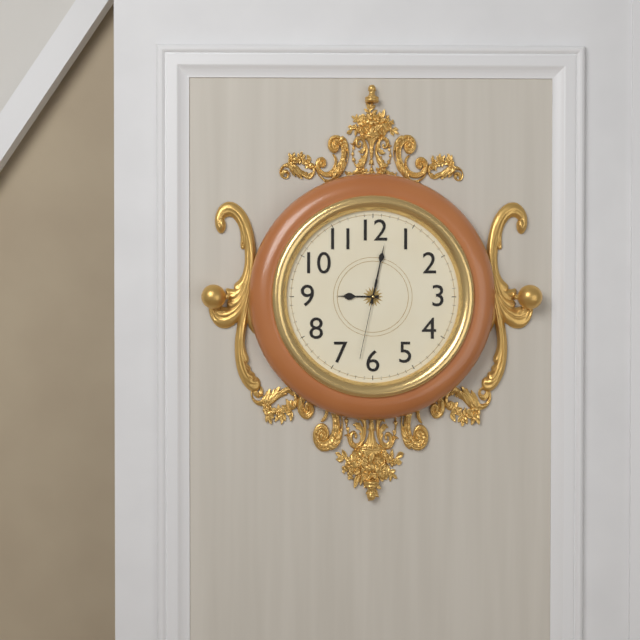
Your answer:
9 h 02 min 32 s
